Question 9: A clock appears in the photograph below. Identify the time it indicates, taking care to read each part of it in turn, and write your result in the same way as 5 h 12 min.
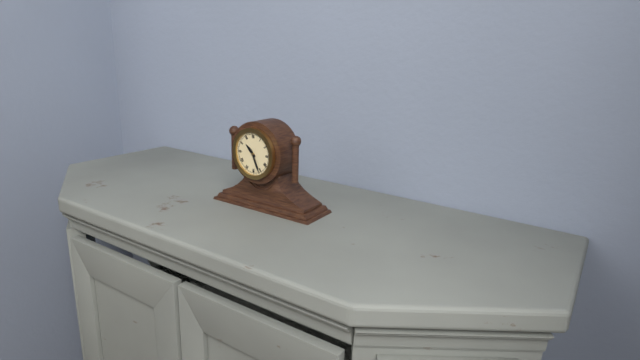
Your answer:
10 h 26 min
